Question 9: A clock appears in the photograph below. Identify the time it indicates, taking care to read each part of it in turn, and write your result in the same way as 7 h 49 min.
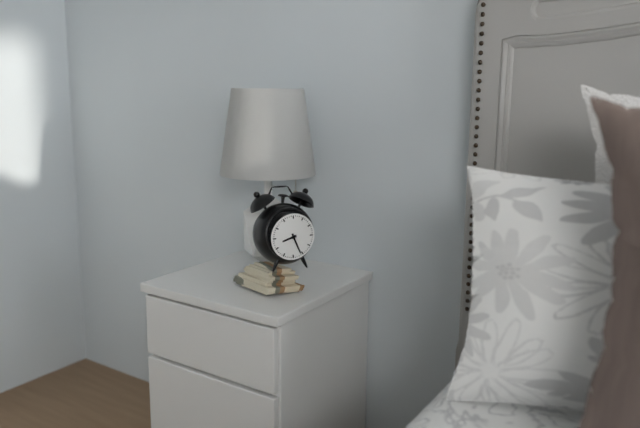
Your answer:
8 h 26 min
